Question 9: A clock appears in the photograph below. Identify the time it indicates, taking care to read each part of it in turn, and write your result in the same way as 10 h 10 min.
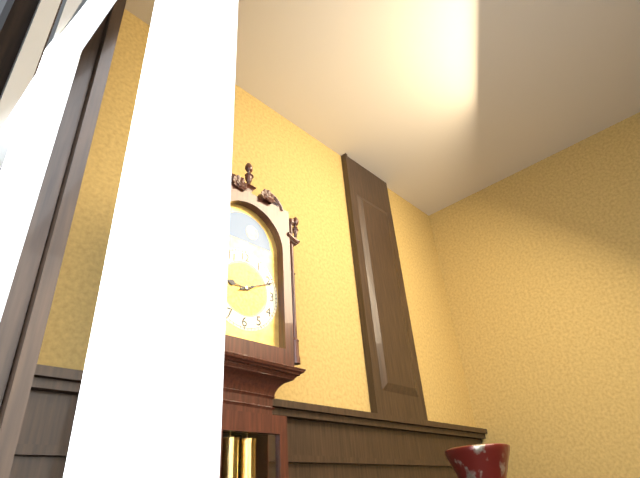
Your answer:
9 h 11 min
